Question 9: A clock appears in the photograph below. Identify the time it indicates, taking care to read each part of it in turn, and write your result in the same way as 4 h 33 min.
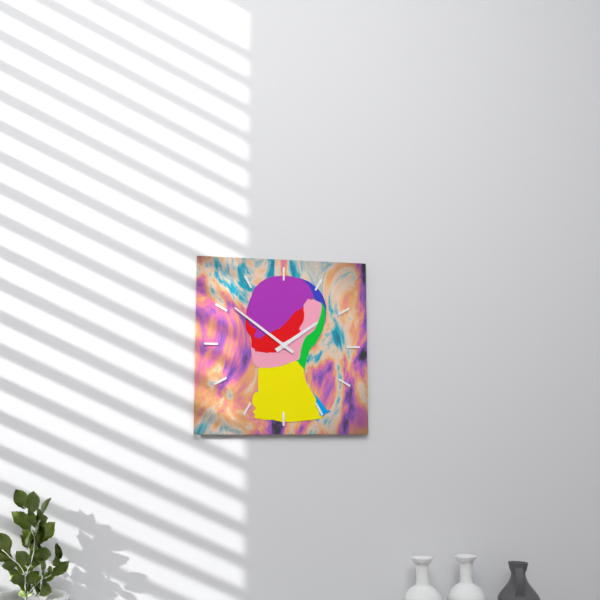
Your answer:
1 h 51 min
